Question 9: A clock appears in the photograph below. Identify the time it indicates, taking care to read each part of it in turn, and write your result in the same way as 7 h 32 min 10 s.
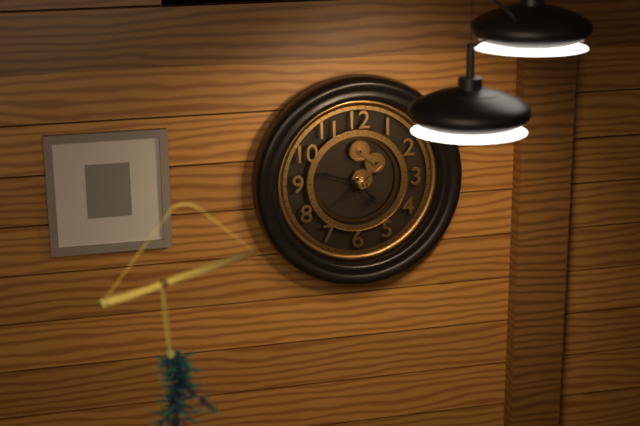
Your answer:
4 h 48 min 39 s
